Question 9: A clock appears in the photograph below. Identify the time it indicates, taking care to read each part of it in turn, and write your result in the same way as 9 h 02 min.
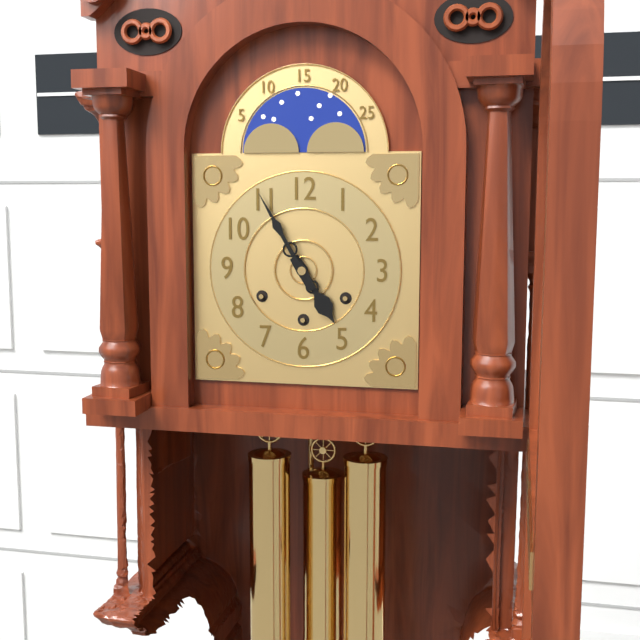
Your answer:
4 h 55 min
